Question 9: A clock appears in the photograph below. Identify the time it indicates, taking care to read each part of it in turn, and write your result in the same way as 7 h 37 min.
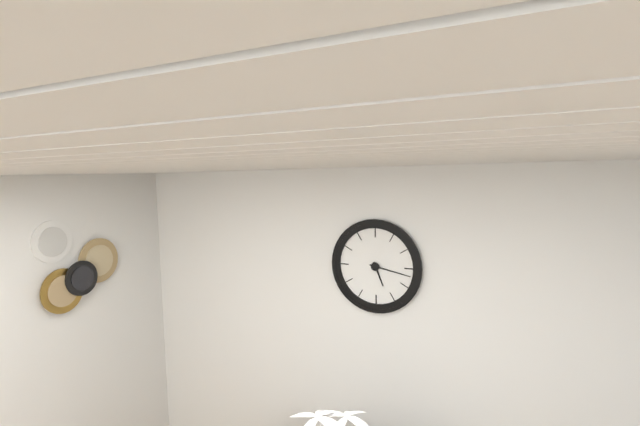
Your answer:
5 h 17 min
